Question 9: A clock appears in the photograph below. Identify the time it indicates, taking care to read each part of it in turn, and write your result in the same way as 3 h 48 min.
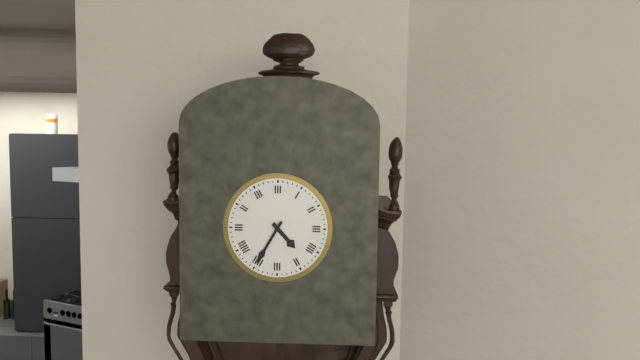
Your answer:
4 h 35 min
